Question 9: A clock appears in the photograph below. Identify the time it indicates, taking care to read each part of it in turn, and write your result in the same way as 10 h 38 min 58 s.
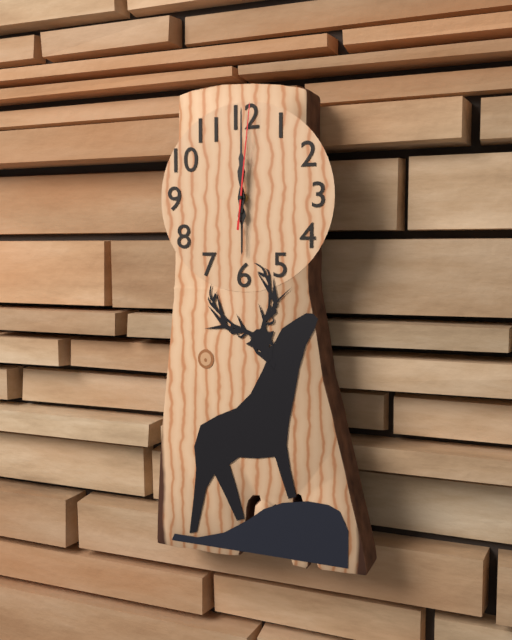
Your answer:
6 h 00 min 01 s
